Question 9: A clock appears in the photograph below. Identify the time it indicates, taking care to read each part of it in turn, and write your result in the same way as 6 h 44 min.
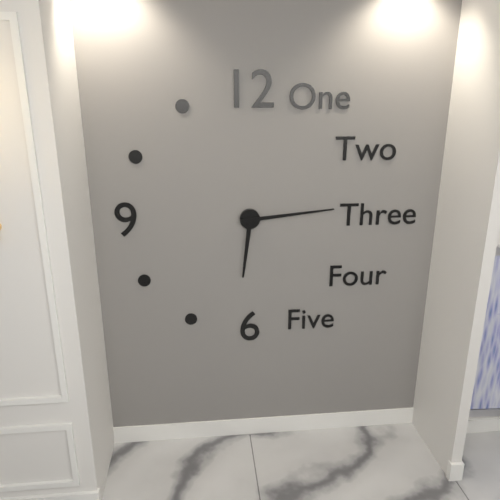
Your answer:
6 h 14 min
